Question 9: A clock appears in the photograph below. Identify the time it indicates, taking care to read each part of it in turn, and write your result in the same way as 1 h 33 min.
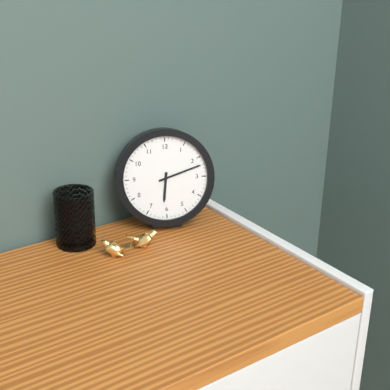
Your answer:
6 h 12 min
